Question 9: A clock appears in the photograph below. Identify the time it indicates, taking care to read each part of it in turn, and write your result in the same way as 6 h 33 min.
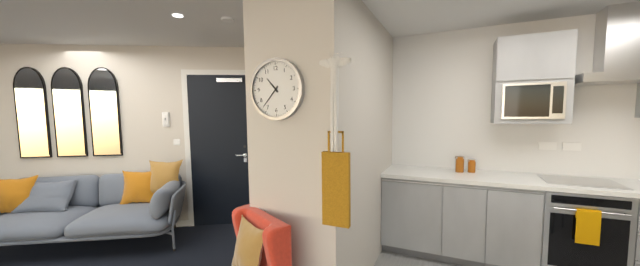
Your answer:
10 h 37 min
